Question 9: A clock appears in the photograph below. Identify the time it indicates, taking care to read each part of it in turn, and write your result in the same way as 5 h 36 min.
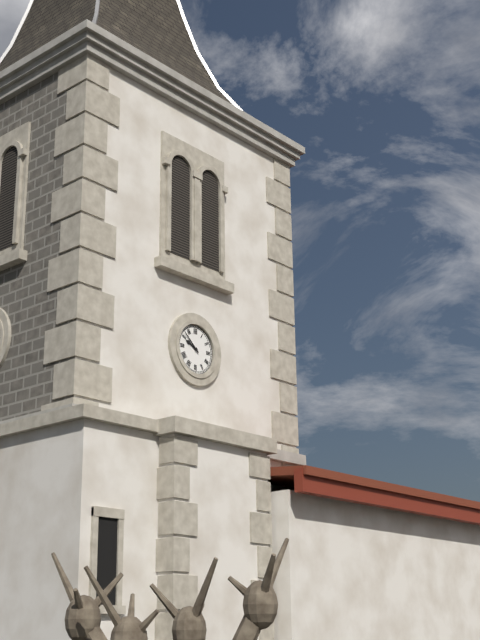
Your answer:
9 h 52 min
